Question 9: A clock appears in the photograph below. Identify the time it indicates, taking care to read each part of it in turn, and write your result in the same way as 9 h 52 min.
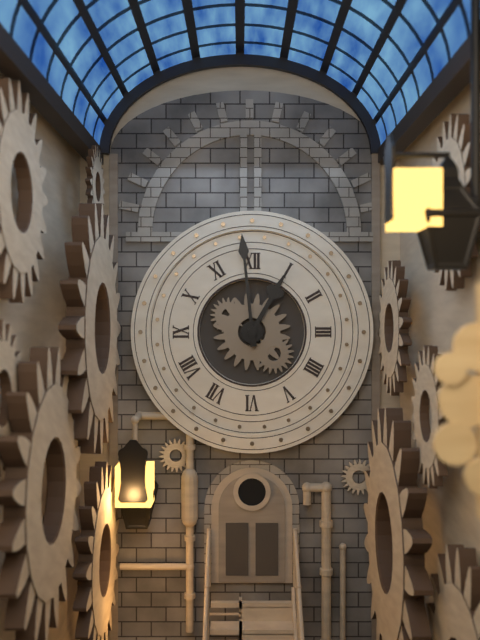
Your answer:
12 h 59 min
